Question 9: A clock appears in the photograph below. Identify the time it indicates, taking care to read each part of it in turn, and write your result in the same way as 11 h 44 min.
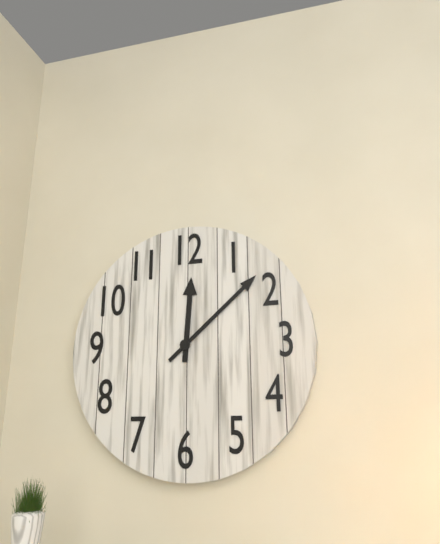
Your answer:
12 h 08 min
